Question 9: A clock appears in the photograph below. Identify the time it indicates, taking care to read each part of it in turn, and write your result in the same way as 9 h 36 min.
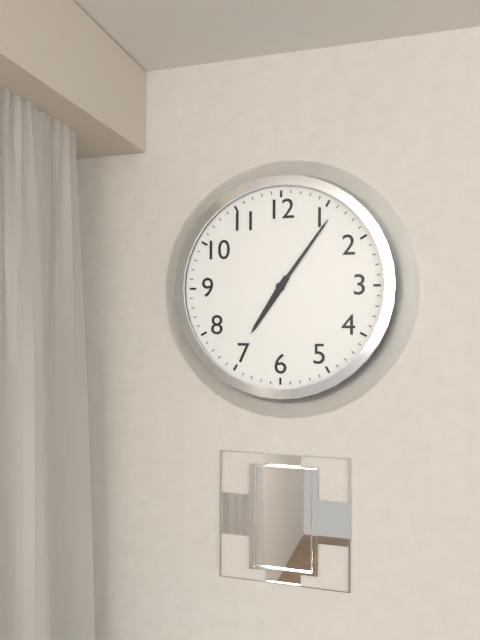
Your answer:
7 h 06 min
